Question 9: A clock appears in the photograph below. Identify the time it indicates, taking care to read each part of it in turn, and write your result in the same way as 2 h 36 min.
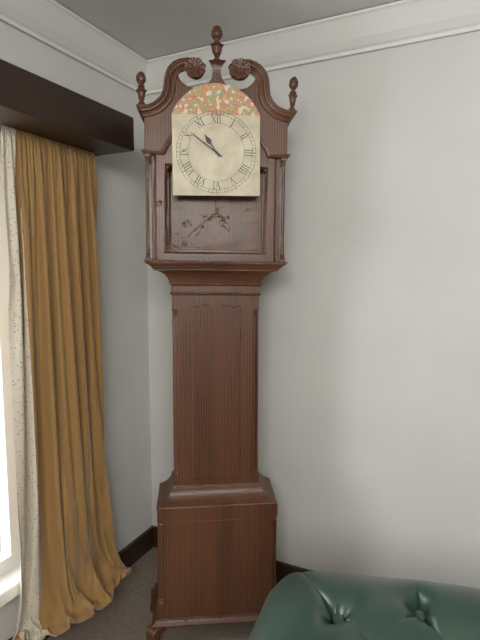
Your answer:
10 h 51 min
